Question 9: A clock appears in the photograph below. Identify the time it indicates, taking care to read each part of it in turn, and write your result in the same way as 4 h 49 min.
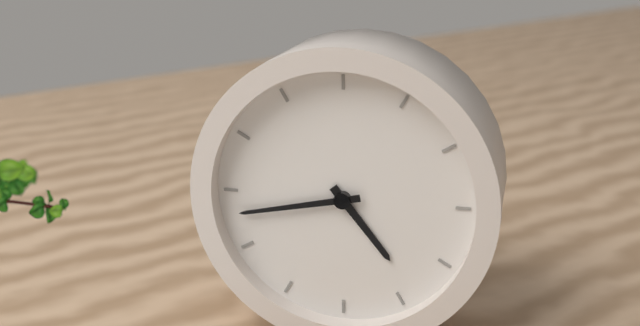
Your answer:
4 h 43 min
